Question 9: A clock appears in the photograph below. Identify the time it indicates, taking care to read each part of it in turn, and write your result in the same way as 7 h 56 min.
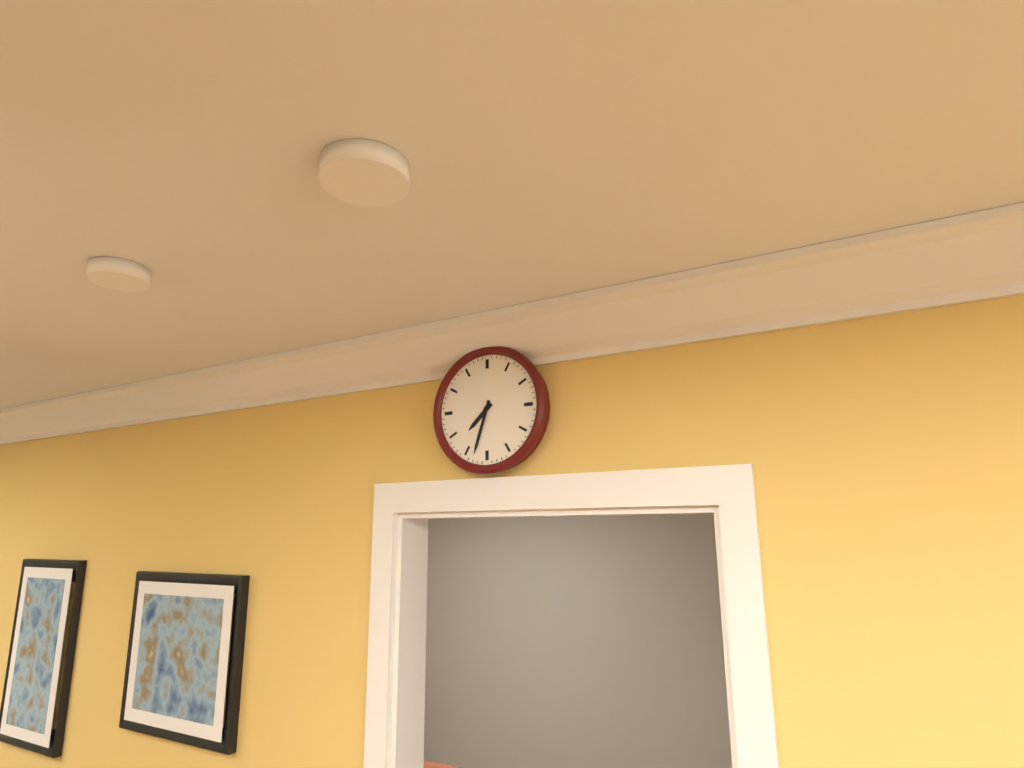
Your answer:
7 h 33 min
